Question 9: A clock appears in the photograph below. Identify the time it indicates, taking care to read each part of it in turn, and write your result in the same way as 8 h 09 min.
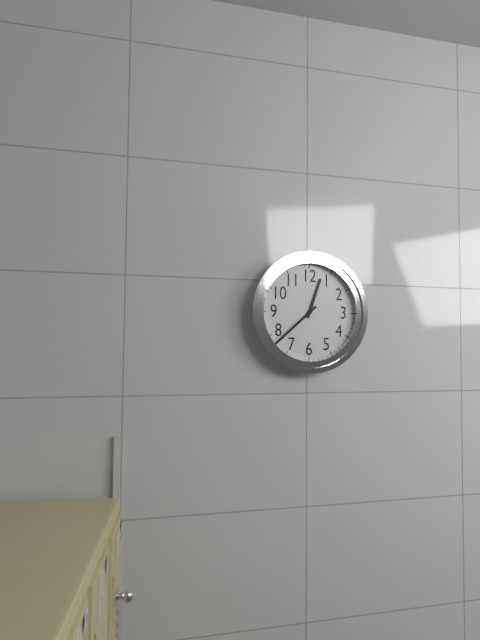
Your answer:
12 h 38 min
